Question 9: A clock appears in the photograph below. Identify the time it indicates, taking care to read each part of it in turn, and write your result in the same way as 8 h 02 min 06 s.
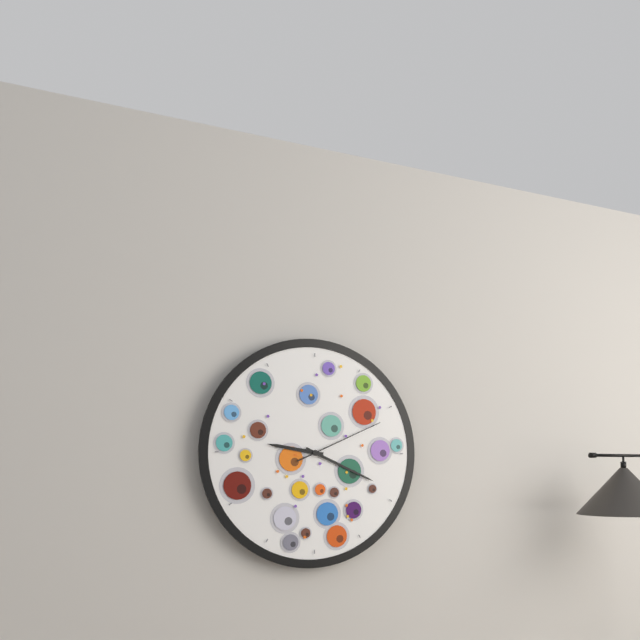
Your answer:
9 h 19 min 11 s
